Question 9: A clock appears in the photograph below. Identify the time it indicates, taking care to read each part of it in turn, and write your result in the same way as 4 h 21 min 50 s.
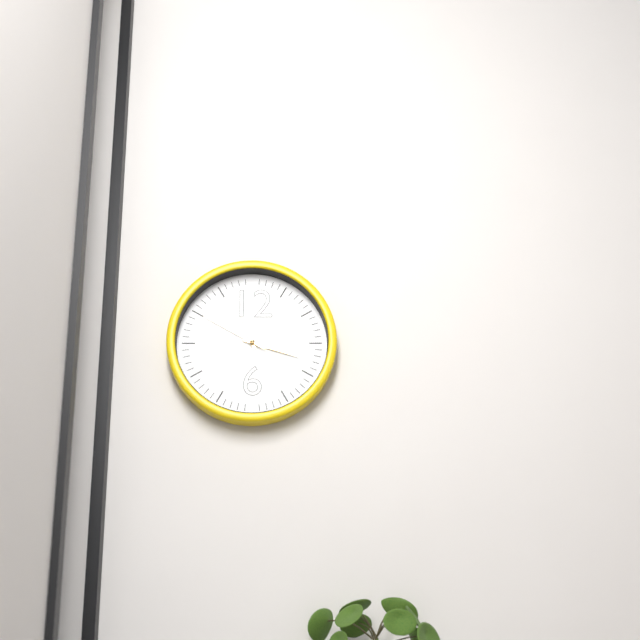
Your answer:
11 h 18 min 50 s
